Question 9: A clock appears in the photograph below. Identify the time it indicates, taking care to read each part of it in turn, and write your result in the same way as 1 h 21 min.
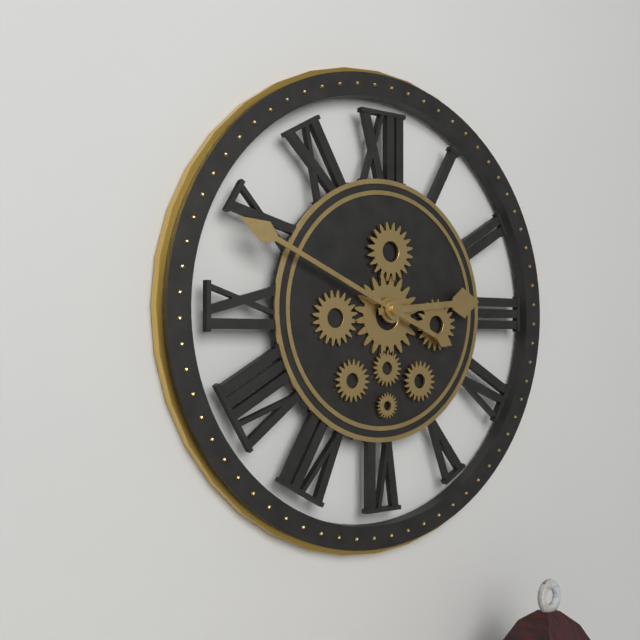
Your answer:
2 h 49 min
